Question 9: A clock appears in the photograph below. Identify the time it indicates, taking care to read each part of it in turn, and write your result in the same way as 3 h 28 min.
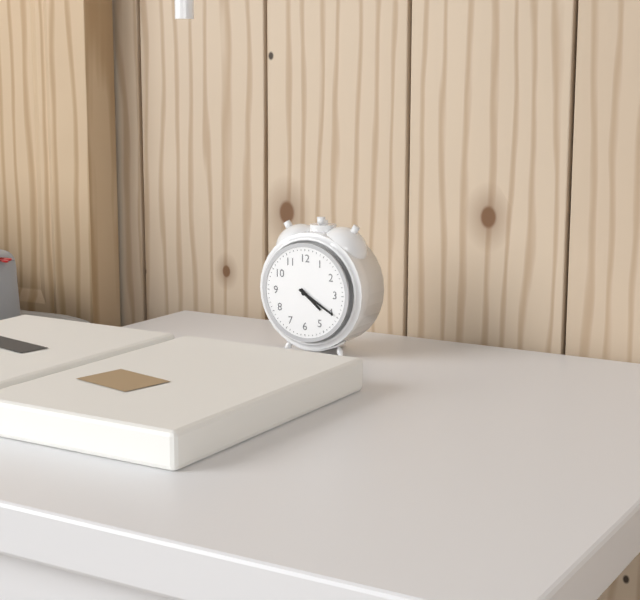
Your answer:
4 h 20 min
